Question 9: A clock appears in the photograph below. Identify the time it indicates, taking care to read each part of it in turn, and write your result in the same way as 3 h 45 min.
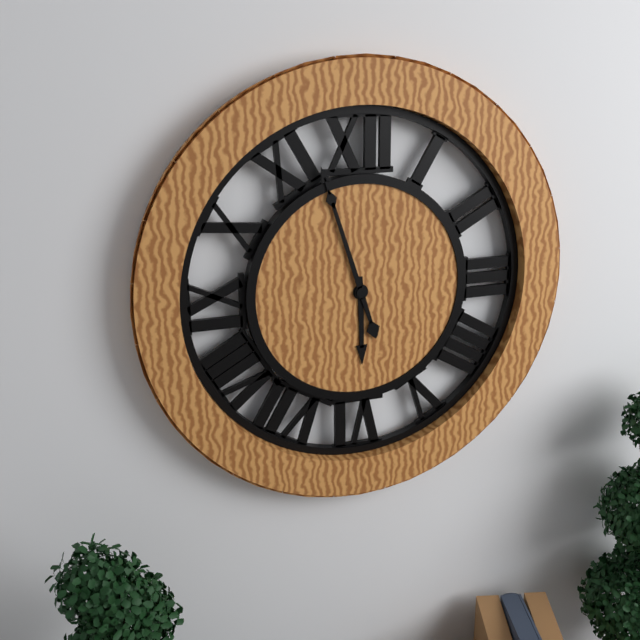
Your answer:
5 h 57 min
